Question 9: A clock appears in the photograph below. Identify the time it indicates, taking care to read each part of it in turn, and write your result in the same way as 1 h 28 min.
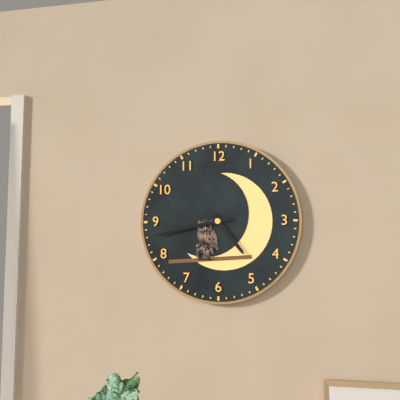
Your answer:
4 h 43 min
